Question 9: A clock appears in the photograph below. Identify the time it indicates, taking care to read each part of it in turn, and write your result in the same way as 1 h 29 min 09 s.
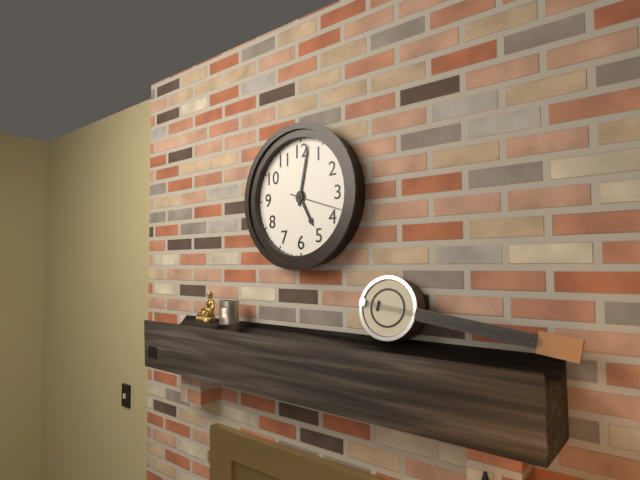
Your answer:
5 h 02 min 18 s
